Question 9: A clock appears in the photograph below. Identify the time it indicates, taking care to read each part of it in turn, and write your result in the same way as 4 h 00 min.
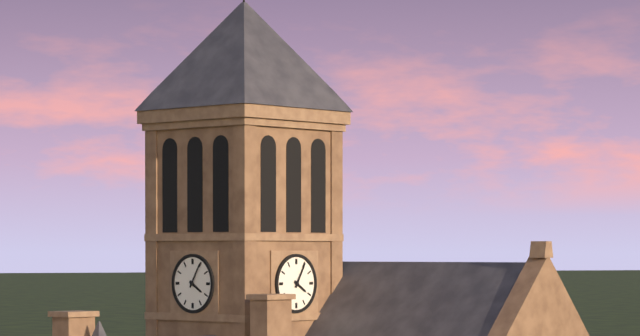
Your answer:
4 h 05 min
